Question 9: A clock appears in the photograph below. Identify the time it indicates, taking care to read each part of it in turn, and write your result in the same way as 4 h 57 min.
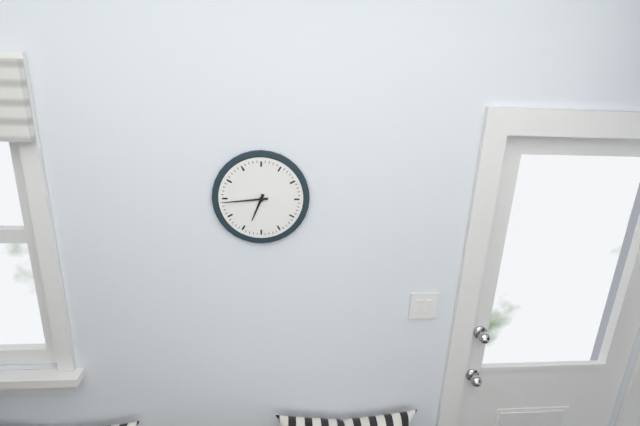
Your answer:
6 h 44 min
